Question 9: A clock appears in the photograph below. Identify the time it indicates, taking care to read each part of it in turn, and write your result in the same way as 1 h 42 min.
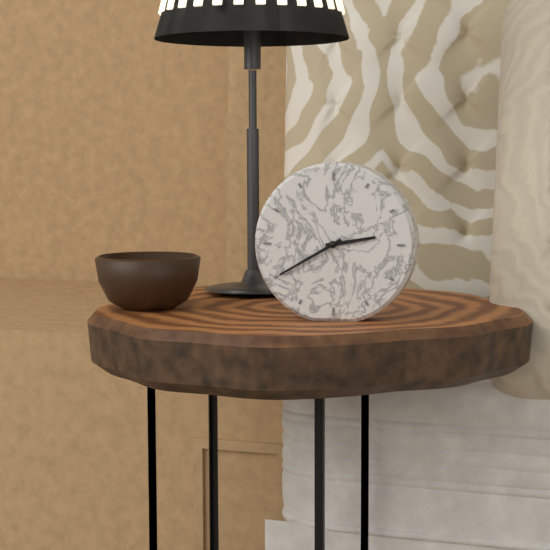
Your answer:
2 h 40 min
